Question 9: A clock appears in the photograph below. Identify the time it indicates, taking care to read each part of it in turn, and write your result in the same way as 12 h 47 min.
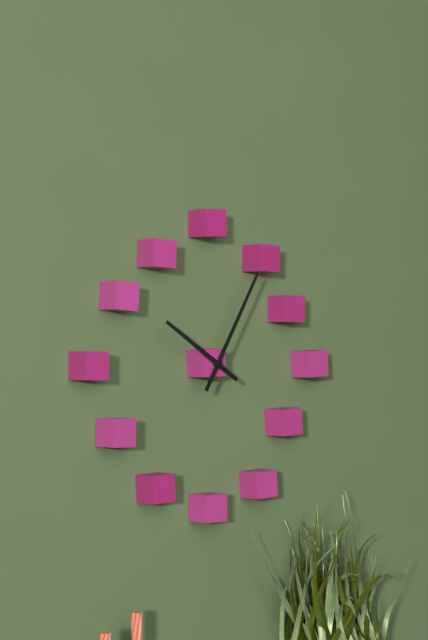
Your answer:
10 h 05 min
